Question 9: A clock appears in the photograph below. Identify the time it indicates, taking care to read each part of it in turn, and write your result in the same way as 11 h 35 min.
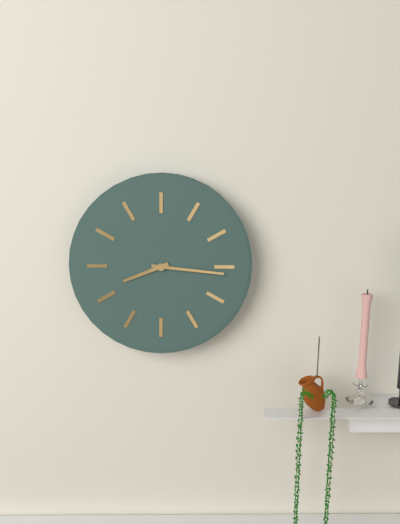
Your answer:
8 h 16 min
